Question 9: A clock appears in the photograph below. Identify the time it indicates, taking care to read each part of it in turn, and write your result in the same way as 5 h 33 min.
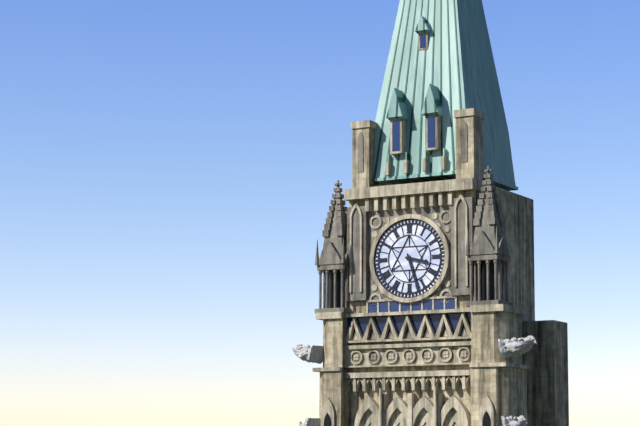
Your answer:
3 h 27 min
